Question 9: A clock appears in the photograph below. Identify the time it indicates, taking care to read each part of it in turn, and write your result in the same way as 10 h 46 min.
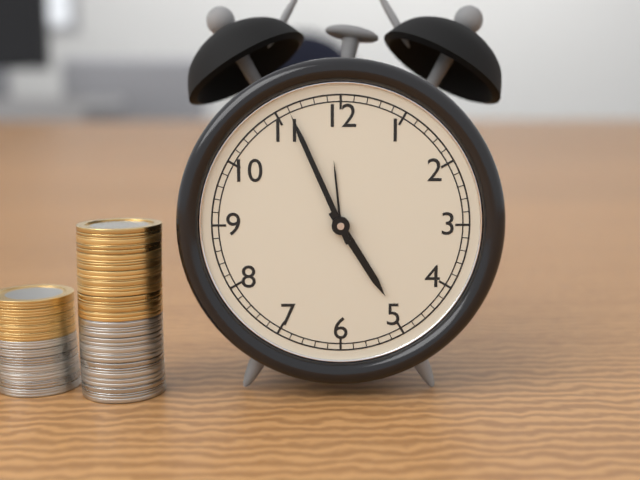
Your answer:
4 h 56 min
